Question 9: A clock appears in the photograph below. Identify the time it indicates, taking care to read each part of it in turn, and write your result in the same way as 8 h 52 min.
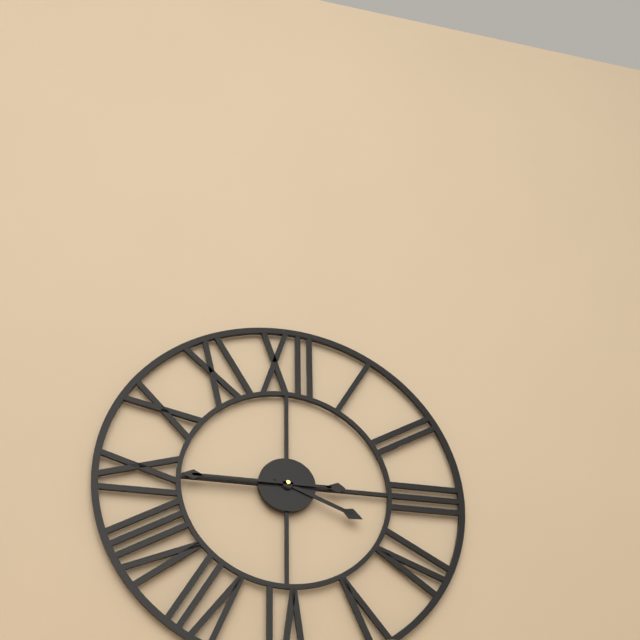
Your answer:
3 h 45 min
